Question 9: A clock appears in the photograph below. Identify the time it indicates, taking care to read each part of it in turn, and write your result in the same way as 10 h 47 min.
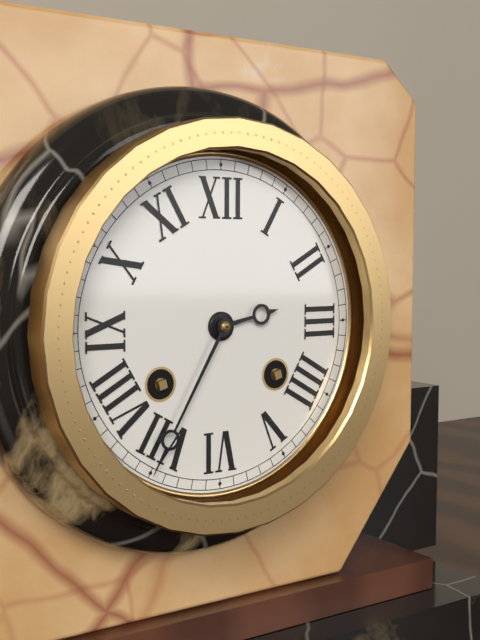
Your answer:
2 h 35 min
